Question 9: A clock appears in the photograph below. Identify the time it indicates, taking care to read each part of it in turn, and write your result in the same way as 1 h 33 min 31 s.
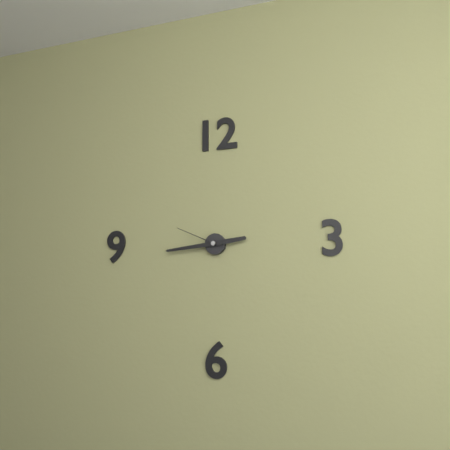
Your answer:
2 h 44 min 49 s
